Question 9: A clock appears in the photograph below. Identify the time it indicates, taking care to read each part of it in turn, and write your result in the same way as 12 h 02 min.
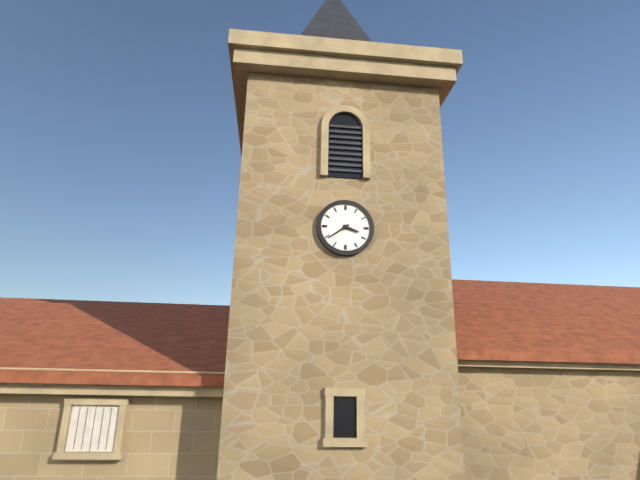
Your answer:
3 h 39 min
